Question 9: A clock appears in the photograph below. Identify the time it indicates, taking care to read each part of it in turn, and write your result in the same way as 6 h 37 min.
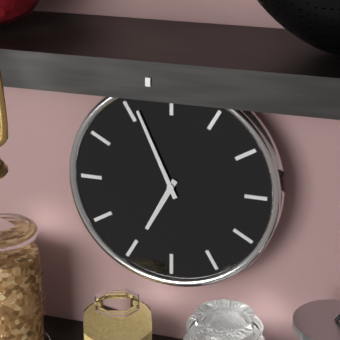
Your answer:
6 h 56 min
